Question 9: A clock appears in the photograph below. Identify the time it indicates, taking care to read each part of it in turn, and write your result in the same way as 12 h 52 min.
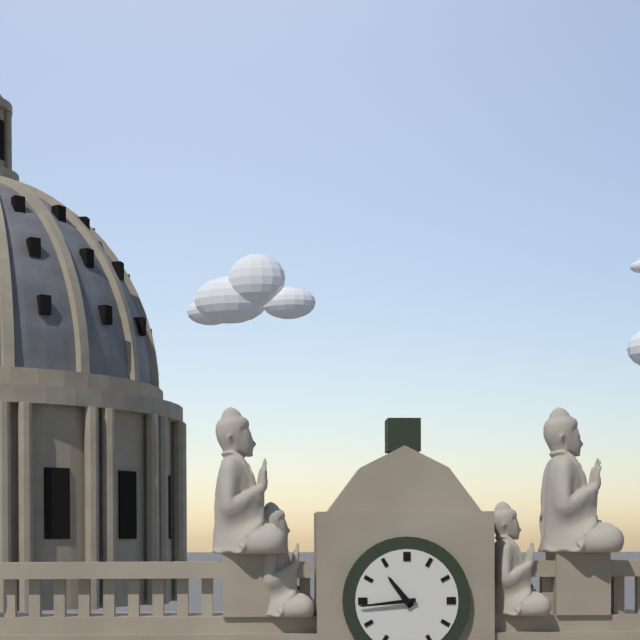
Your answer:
10 h 44 min
